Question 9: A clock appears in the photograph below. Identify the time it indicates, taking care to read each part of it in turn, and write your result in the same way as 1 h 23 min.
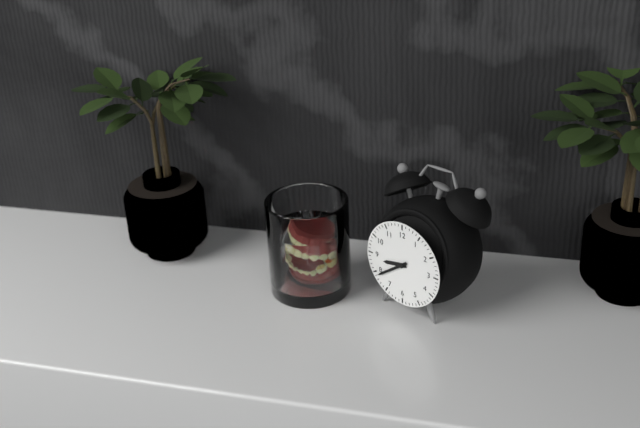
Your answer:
8 h 39 min
